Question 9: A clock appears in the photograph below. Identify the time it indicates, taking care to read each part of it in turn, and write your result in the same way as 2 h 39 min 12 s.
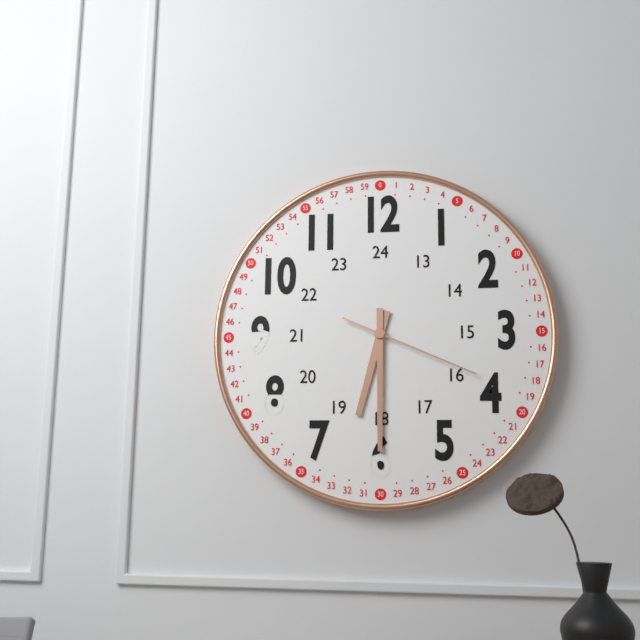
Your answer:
6 h 30 min 19 s
